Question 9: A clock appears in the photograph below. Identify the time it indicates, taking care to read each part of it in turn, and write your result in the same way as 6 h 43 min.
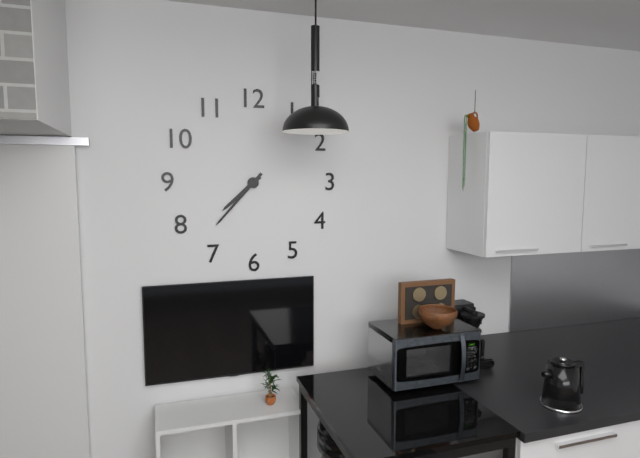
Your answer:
7 h 37 min
